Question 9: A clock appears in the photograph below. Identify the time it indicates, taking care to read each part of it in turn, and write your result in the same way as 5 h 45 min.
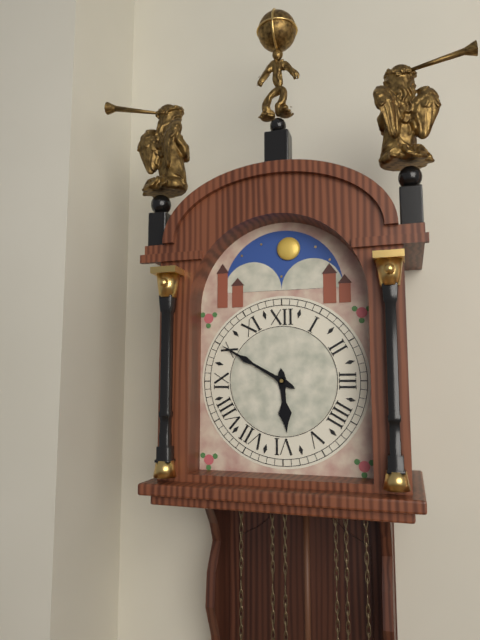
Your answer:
5 h 50 min
